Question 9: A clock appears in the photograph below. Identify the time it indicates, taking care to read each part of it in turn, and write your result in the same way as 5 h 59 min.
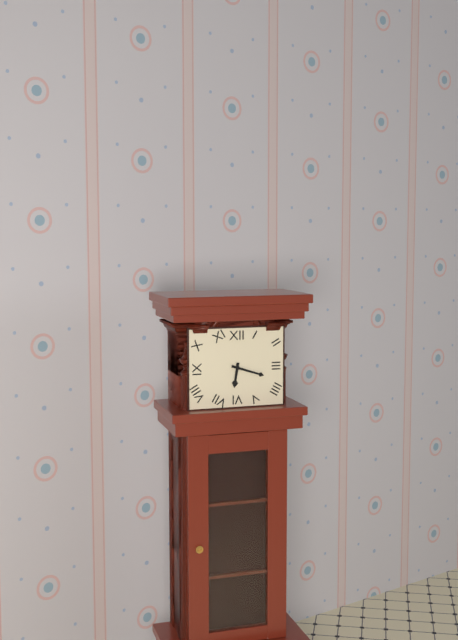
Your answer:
6 h 18 min
